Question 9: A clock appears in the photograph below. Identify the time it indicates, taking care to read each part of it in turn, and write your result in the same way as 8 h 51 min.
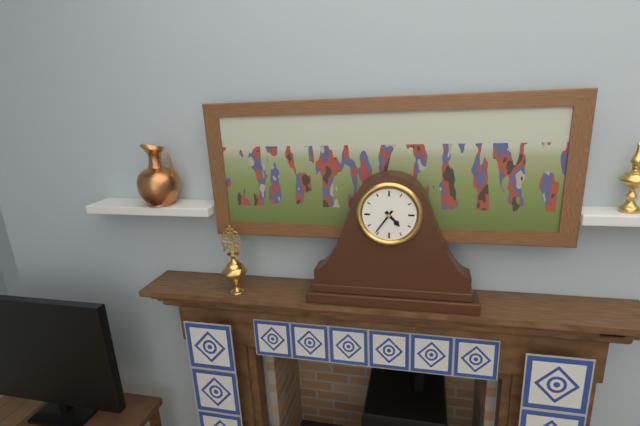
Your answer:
4 h 36 min
